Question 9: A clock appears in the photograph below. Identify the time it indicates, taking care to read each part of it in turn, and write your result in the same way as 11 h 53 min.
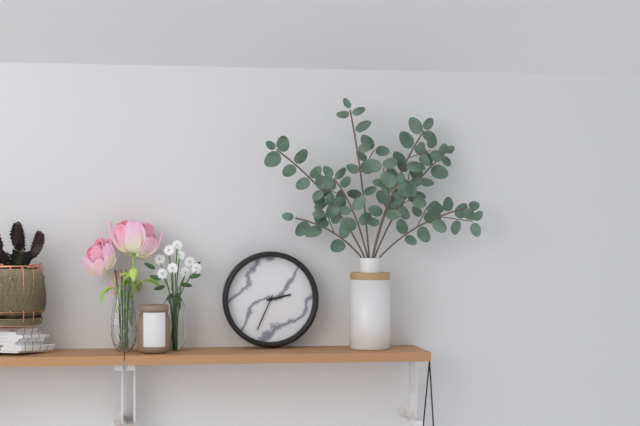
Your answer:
2 h 34 min
